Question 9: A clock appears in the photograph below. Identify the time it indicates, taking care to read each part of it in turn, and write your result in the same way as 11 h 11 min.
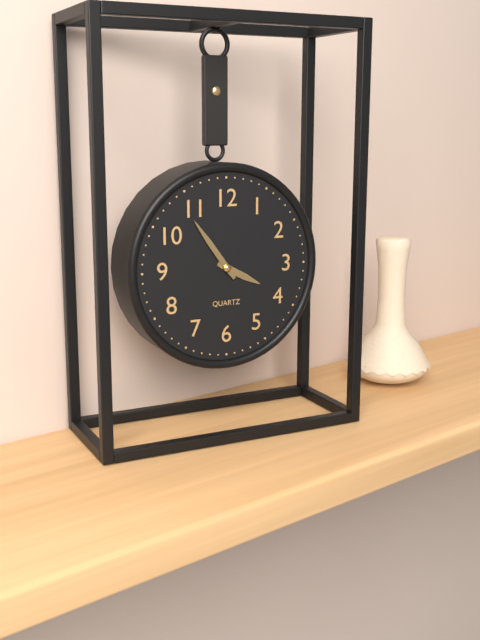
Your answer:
3 h 54 min
